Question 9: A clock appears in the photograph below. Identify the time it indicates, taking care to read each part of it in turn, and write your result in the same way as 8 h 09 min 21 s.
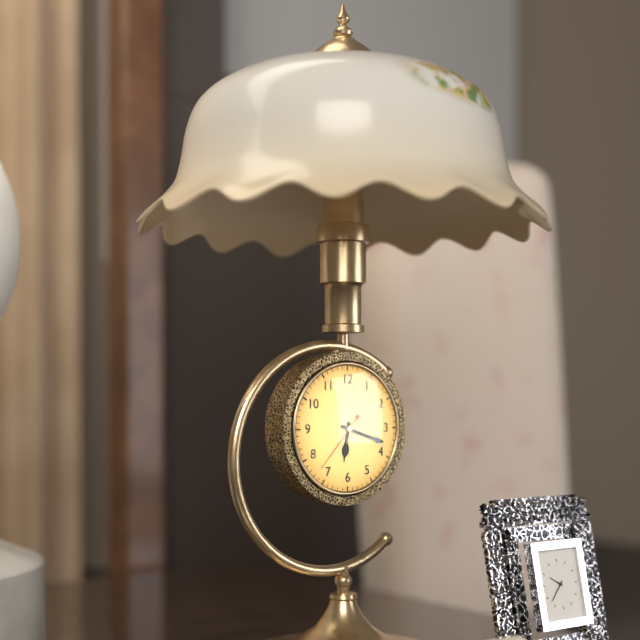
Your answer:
6 h 18 min 37 s
